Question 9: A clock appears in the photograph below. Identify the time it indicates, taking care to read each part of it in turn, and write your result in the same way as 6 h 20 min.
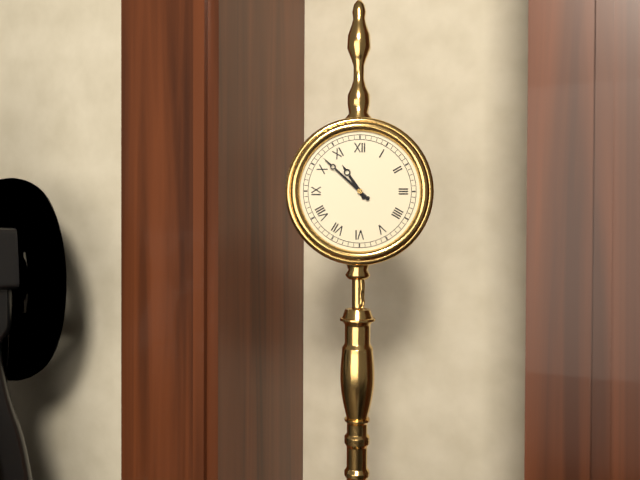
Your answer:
10 h 52 min
